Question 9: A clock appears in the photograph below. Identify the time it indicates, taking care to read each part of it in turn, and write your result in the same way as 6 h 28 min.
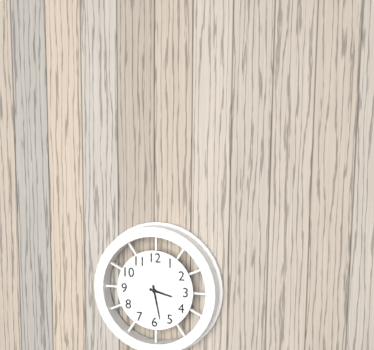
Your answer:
3 h 28 min
